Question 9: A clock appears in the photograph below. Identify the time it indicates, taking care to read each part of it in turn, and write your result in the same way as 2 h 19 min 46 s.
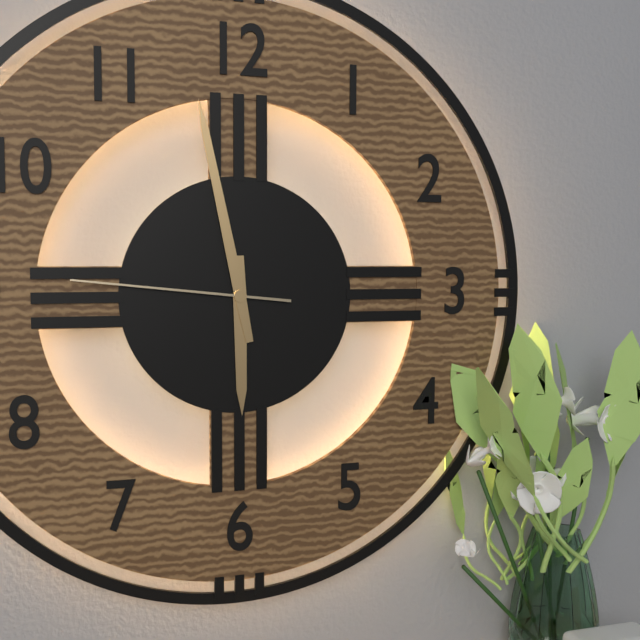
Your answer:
5 h 58 min 46 s
